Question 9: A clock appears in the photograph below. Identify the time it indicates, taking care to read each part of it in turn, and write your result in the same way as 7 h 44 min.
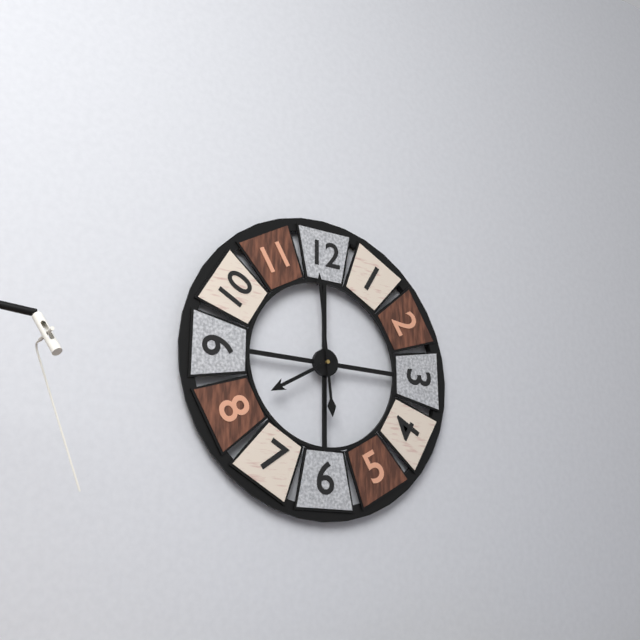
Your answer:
7 h 59 min
